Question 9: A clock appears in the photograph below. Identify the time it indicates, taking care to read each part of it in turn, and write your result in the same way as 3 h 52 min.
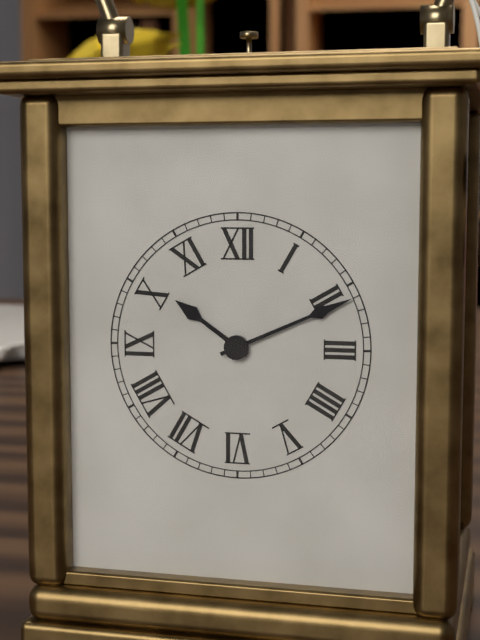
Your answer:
10 h 11 min
